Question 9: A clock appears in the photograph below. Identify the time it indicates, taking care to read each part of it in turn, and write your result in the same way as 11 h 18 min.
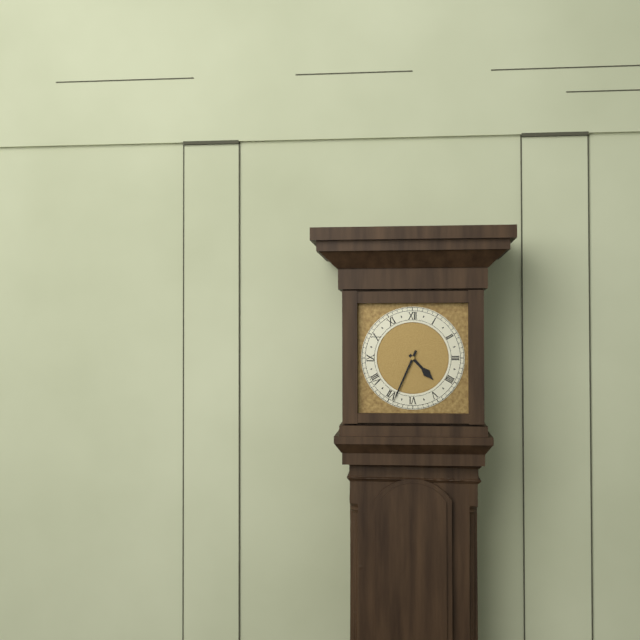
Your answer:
4 h 34 min
